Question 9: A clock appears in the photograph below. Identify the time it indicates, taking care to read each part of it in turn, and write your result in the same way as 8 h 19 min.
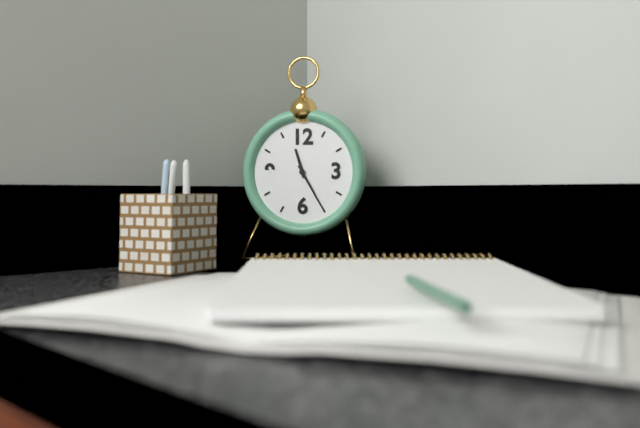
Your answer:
11 h 25 min
